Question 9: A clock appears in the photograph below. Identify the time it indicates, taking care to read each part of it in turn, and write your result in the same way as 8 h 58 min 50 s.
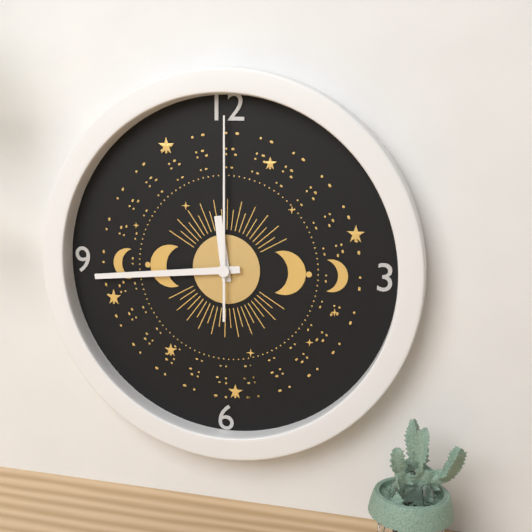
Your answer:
11 h 44 min 00 s
